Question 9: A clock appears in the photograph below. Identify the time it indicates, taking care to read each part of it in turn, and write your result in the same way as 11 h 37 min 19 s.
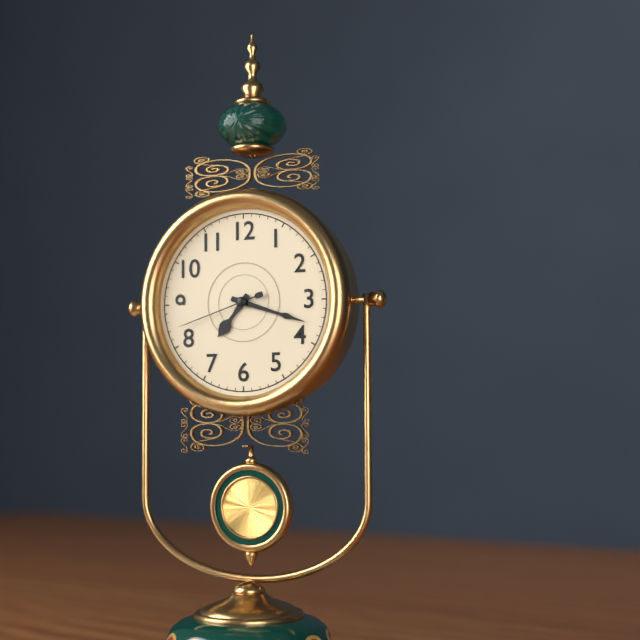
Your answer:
7 h 18 min 42 s
